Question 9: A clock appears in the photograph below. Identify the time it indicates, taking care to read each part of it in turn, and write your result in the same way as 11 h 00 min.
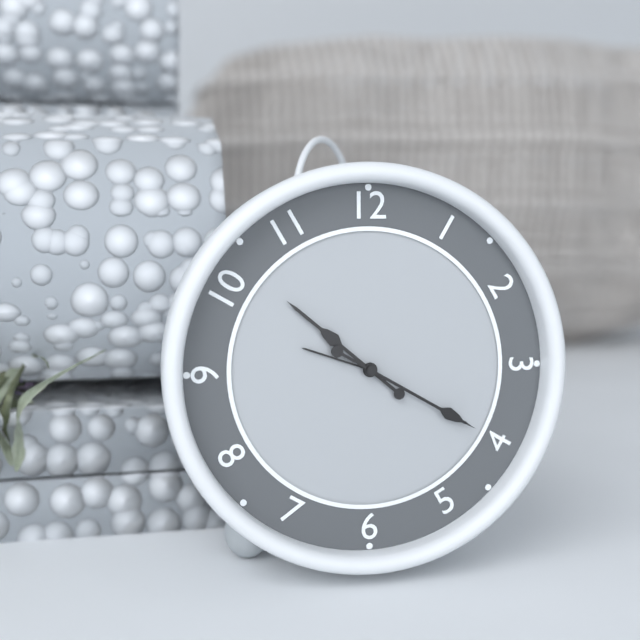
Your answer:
10 h 20 min
